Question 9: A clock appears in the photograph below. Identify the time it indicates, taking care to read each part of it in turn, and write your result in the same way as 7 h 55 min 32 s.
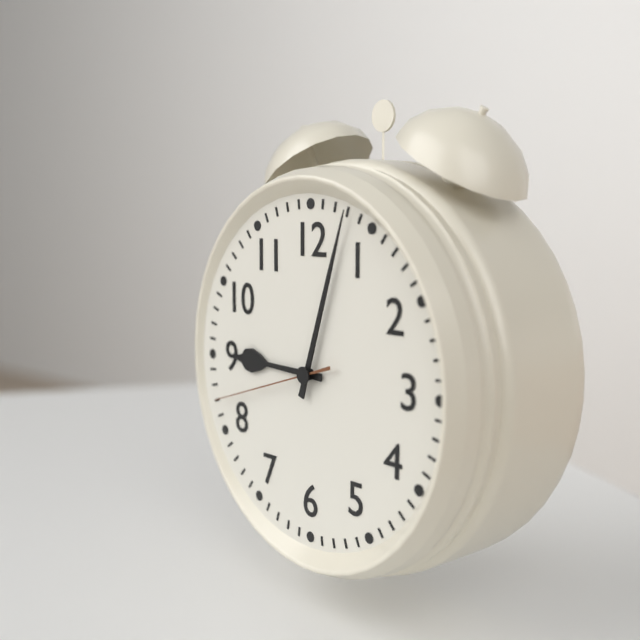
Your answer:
9 h 03 min 42 s
